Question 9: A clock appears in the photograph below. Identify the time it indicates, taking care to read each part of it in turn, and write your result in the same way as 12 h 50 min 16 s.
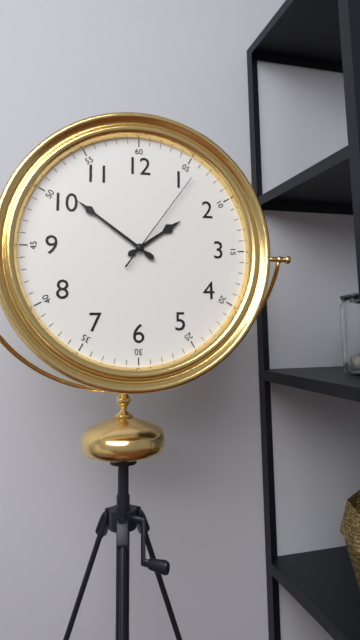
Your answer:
1 h 51 min 06 s
